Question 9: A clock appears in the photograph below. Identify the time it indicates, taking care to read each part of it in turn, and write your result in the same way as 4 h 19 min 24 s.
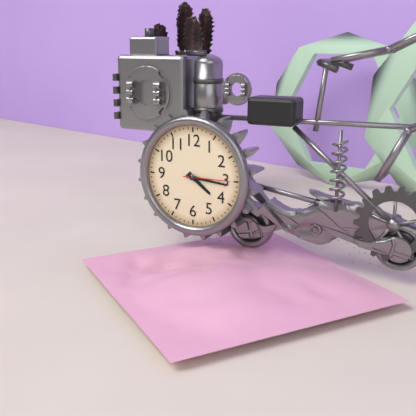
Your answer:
4 h 16 min 15 s
